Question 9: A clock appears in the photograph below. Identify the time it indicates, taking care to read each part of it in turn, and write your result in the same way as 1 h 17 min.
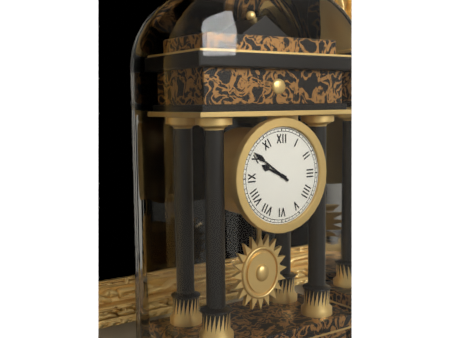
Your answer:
9 h 51 min
